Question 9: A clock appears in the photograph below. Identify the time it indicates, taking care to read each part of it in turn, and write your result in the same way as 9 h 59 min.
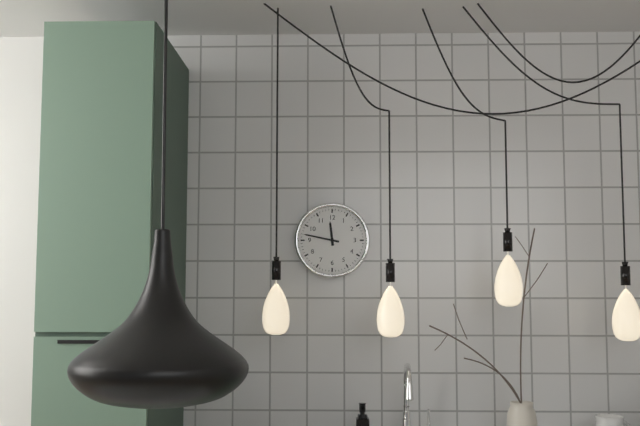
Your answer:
11 h 47 min
